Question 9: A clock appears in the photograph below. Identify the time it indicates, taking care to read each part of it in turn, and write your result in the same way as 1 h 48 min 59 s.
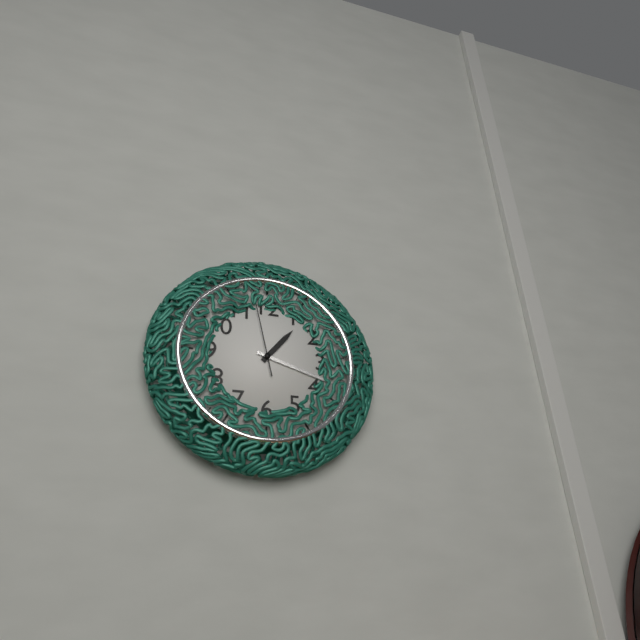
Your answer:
1 h 18 min 58 s
